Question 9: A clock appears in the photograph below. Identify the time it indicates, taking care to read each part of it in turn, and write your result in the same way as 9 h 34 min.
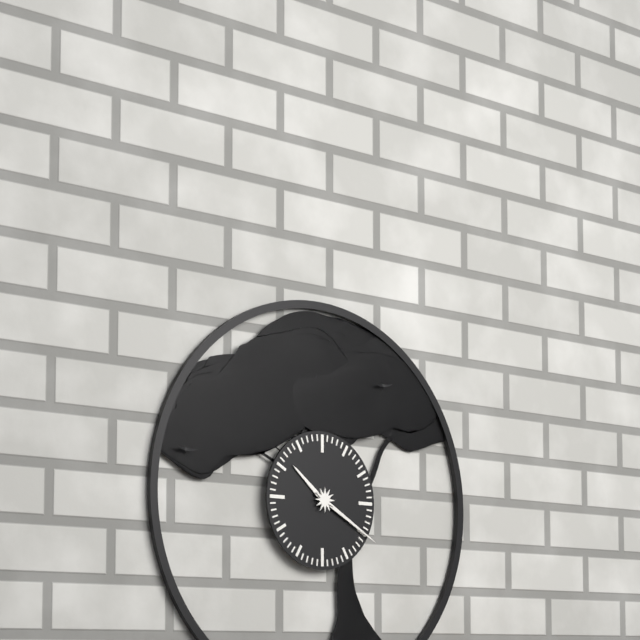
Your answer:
10 h 20 min
